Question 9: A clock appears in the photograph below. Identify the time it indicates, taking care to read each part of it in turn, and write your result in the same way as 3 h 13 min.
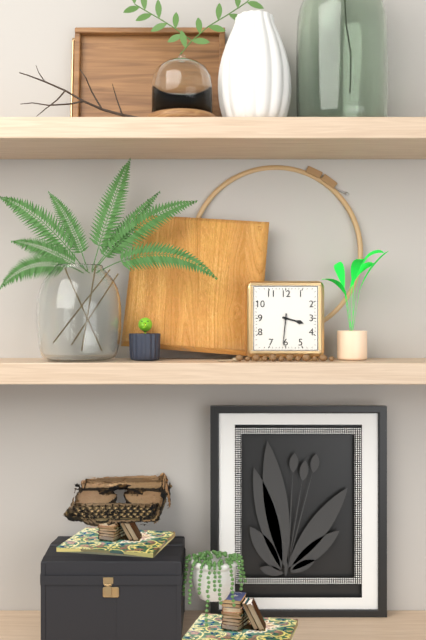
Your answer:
3 h 31 min
